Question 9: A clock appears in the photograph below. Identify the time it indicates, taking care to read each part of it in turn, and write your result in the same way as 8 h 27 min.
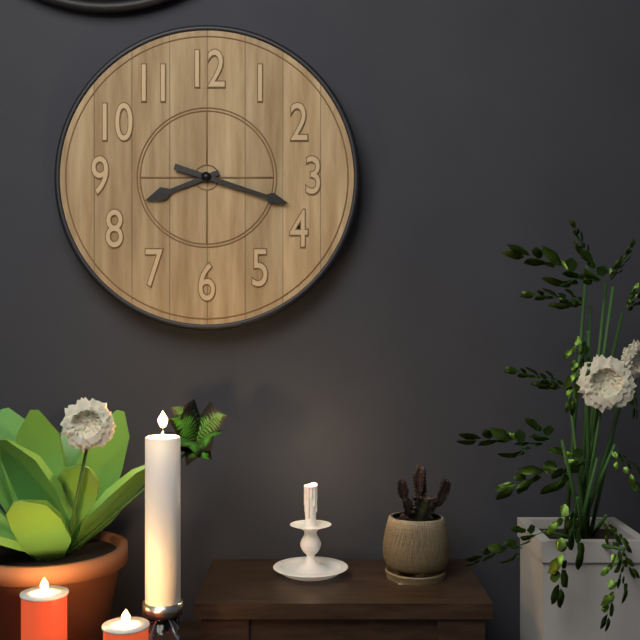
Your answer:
8 h 18 min
